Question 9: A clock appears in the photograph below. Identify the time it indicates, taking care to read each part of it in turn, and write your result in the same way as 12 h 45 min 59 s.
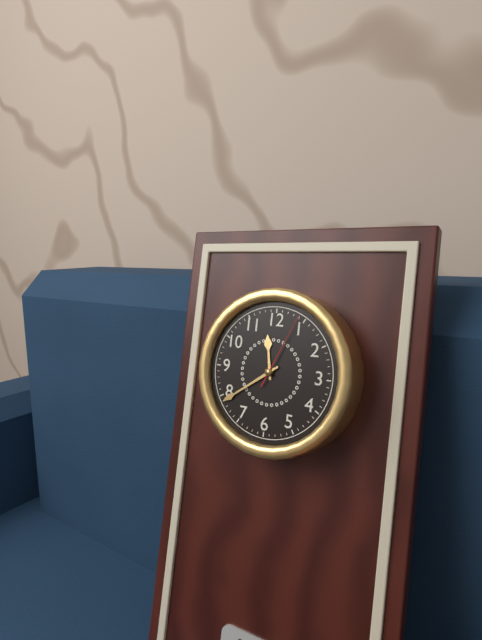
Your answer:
11 h 39 min 04 s
